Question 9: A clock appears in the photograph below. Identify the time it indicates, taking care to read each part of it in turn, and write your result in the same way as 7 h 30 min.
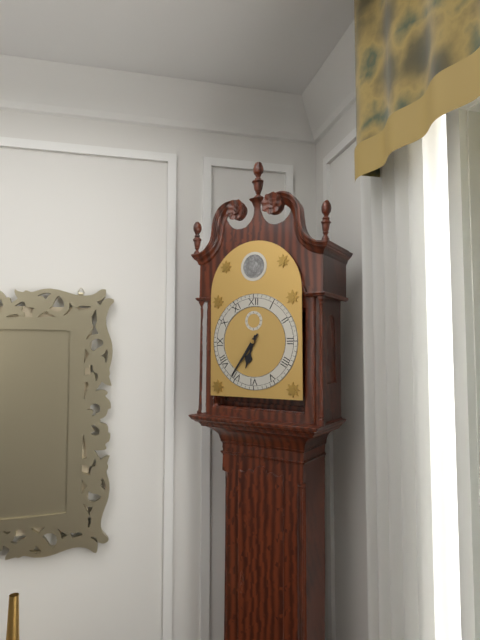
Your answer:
6 h 36 min
